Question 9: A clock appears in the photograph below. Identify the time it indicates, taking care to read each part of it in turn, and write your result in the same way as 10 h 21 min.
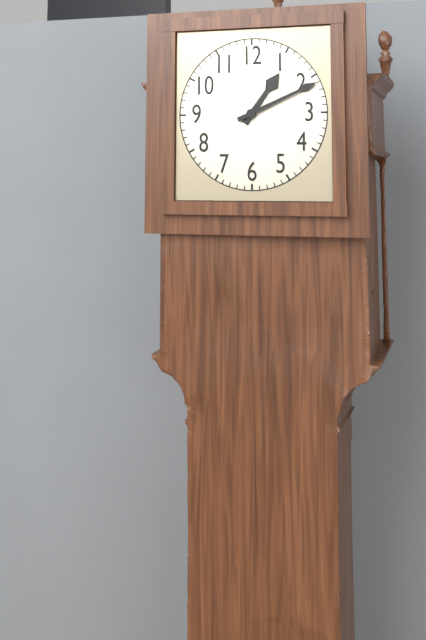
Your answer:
1 h 11 min
